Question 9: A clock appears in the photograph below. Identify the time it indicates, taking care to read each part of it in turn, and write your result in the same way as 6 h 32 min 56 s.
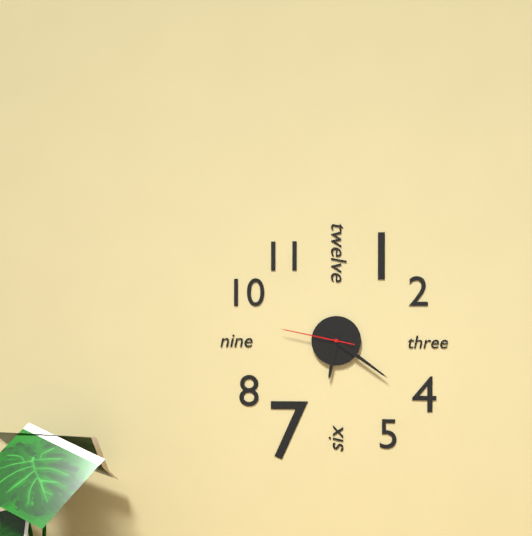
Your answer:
6 h 21 min 47 s
